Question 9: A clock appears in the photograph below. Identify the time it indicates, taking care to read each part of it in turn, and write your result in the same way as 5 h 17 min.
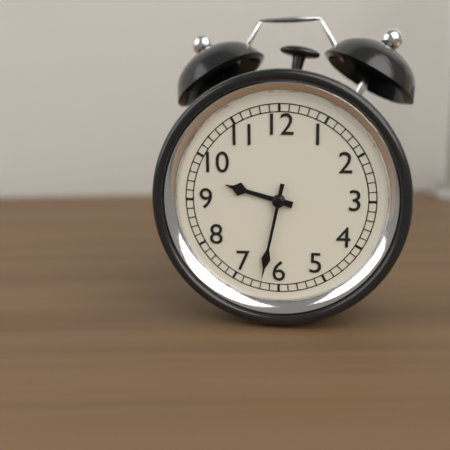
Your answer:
9 h 32 min
